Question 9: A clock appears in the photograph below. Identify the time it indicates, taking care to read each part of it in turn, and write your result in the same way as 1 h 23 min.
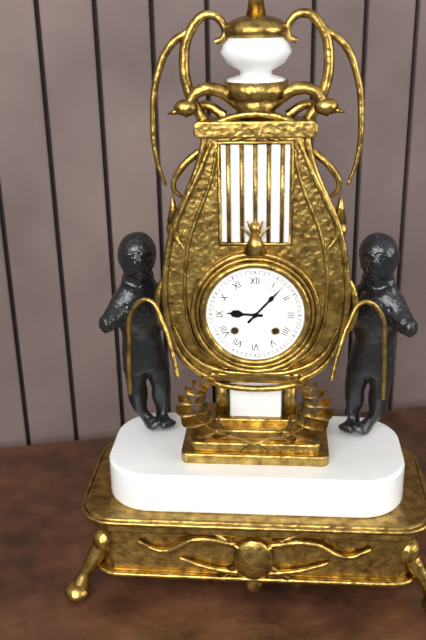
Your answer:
9 h 07 min
